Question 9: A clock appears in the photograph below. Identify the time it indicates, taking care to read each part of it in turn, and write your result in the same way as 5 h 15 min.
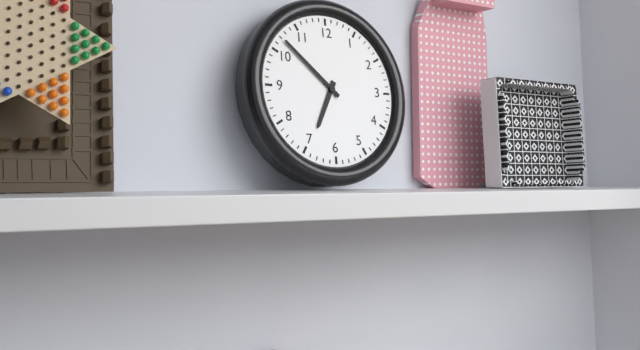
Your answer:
6 h 52 min
